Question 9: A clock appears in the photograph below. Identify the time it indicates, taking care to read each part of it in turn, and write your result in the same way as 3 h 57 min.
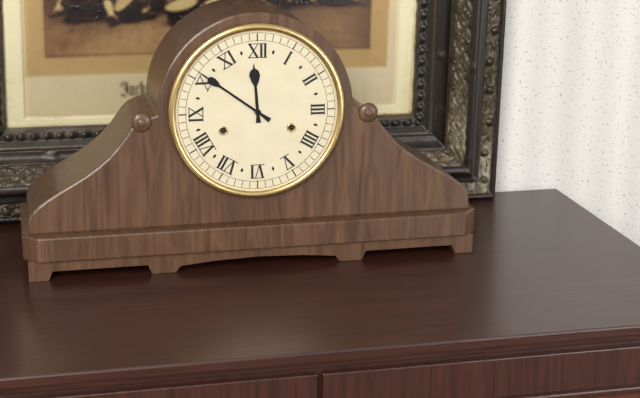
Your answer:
11 h 51 min
